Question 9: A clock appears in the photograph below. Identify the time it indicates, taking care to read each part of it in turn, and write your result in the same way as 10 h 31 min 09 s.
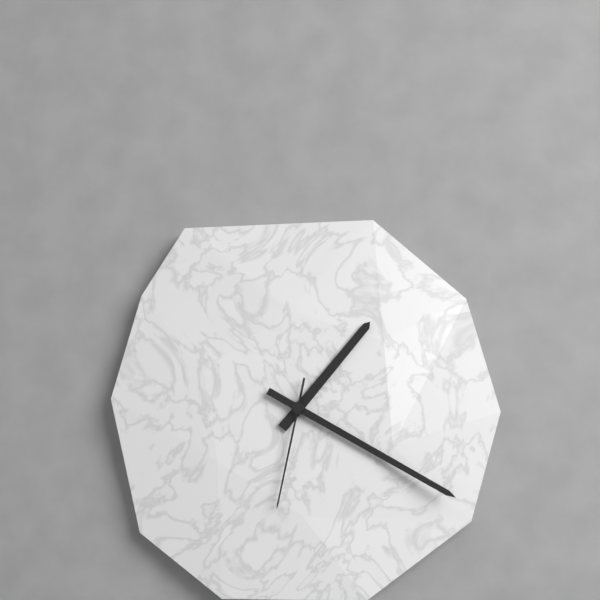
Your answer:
1 h 20 min 32 s
